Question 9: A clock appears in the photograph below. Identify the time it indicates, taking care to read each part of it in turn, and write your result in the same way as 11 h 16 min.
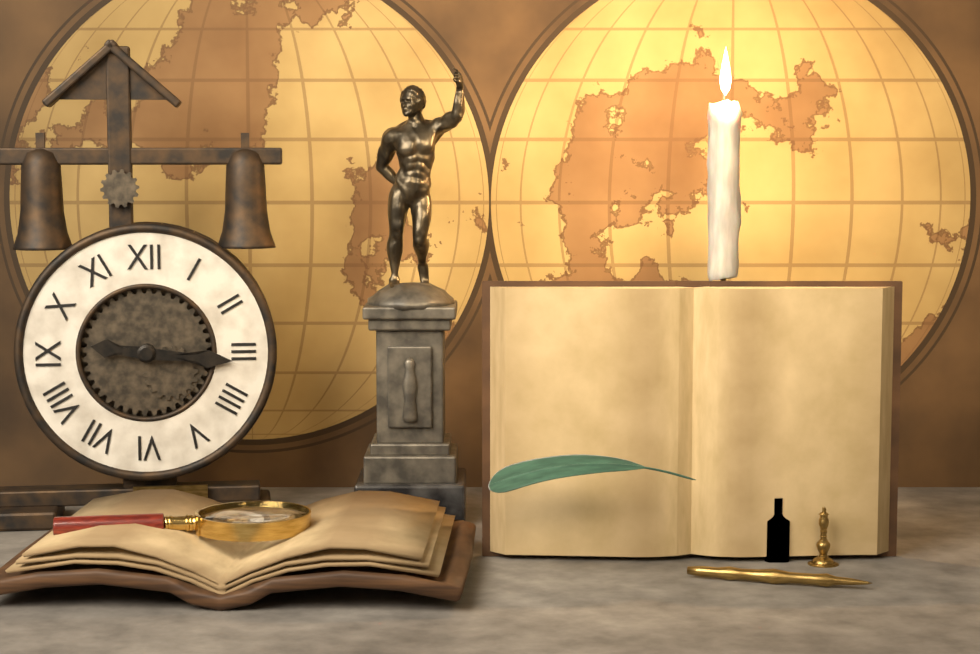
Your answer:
9 h 16 min
